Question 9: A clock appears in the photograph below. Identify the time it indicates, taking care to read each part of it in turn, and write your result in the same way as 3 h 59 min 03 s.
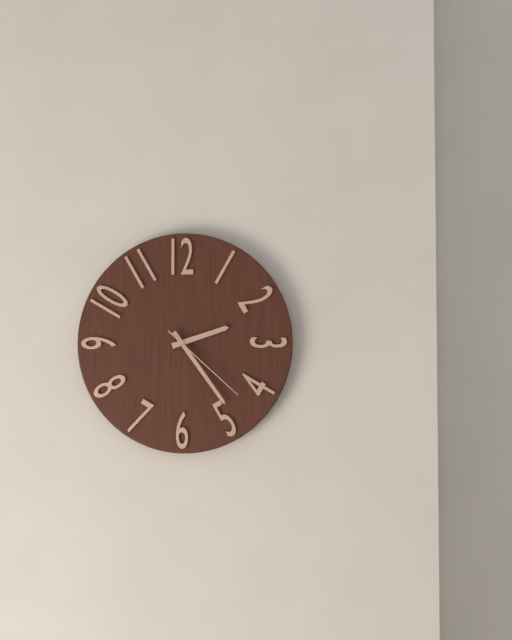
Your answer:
2 h 24 min 22 s
